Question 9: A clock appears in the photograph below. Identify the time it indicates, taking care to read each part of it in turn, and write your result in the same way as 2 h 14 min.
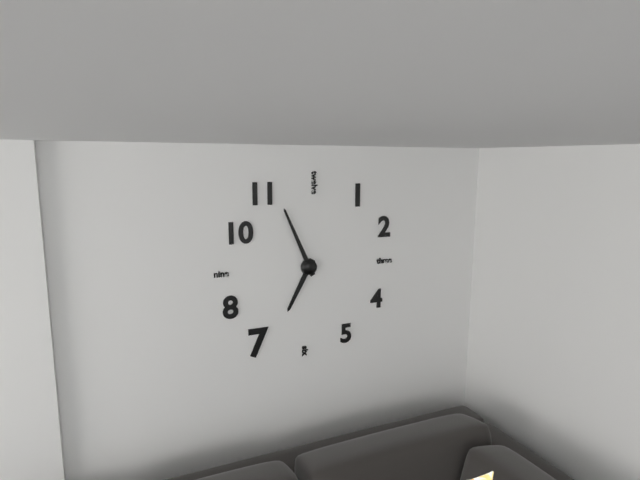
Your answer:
6 h 56 min
